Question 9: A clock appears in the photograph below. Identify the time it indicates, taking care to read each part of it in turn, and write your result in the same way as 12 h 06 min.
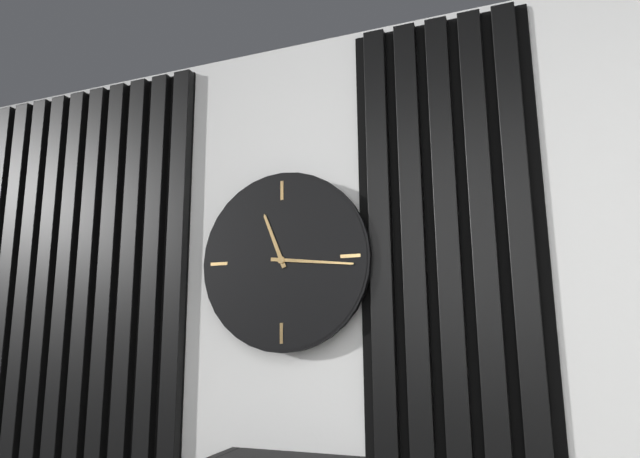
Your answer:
11 h 16 min
